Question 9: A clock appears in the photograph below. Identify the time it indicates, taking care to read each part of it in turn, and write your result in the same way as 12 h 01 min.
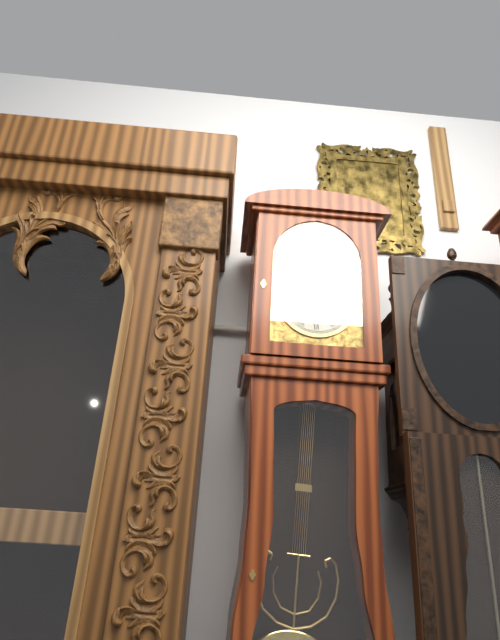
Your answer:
10 h 19 min
